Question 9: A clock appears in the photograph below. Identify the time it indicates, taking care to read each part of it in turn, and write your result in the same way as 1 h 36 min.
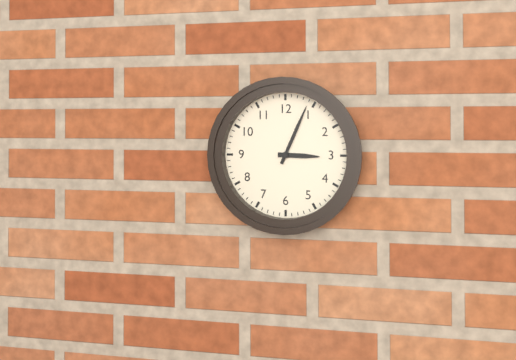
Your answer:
3 h 04 min
